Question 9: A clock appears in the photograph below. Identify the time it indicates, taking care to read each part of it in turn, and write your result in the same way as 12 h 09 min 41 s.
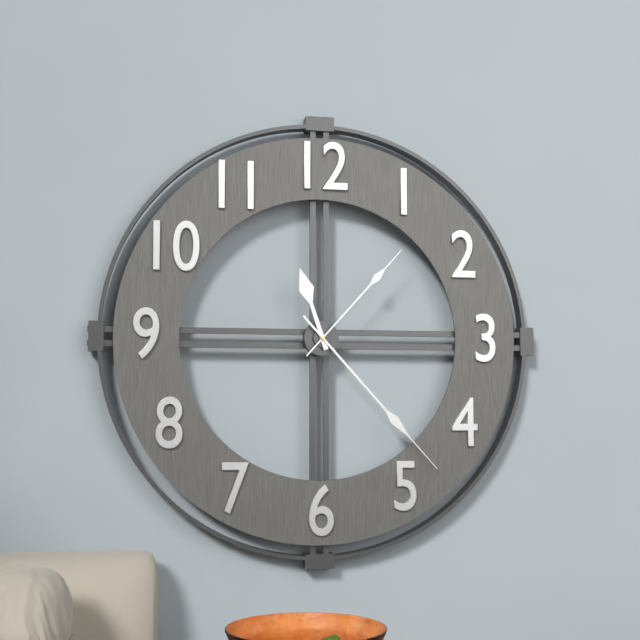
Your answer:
11 h 23 min 07 s
